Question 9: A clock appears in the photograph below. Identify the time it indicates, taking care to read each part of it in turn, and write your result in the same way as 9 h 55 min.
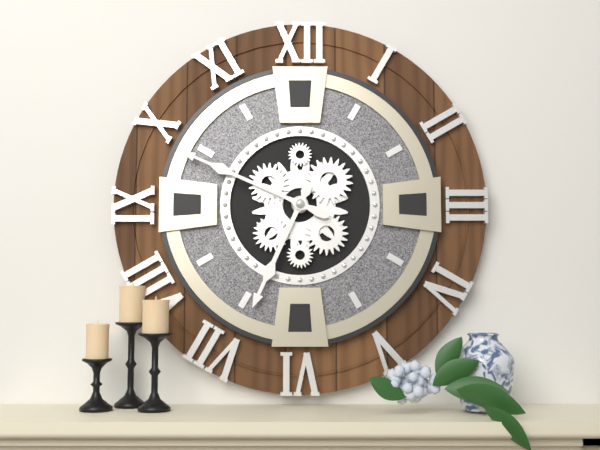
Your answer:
6 h 49 min
